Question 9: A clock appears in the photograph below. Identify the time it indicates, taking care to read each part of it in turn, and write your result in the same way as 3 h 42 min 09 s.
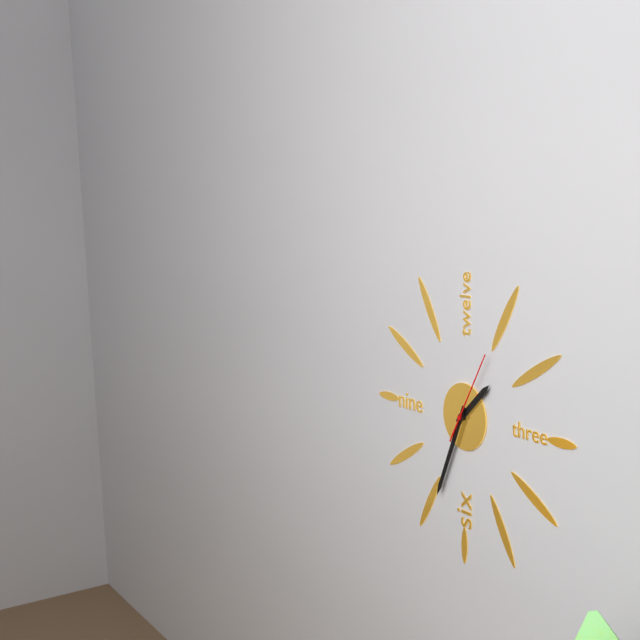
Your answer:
1 h 34 min 05 s
